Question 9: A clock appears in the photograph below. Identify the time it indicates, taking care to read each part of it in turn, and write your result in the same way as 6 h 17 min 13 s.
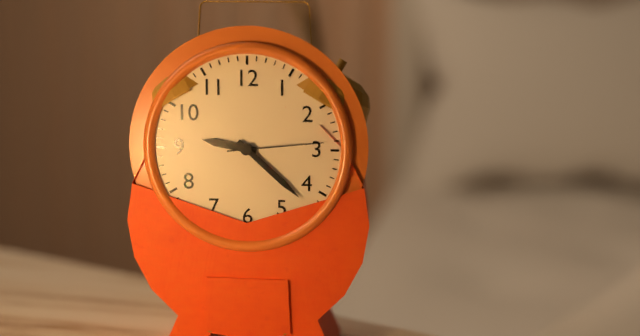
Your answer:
9 h 22 min 14 s
